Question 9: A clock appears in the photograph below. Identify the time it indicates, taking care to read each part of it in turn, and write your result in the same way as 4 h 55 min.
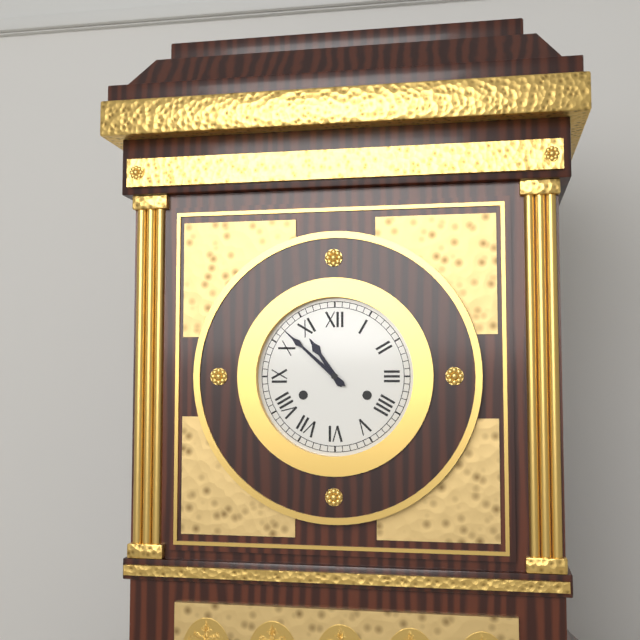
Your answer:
10 h 52 min
